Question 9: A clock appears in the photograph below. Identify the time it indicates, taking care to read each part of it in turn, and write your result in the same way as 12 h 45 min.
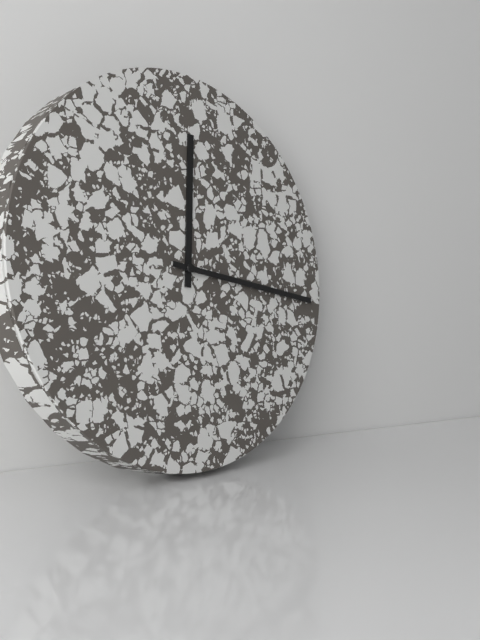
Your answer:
12 h 17 min
